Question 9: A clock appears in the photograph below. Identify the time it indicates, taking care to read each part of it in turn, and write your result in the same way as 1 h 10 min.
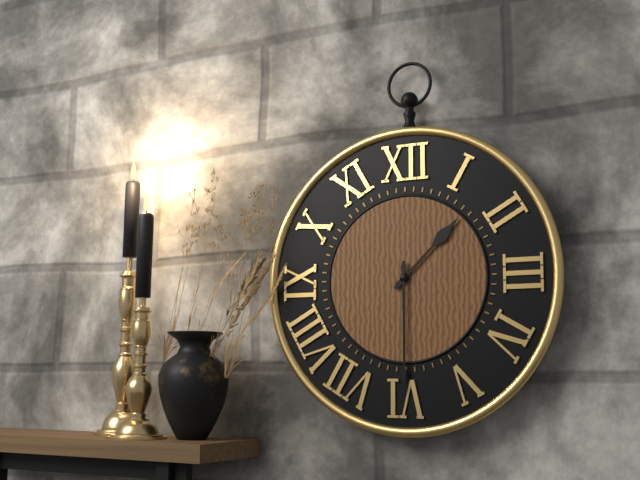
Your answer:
1 h 30 min
